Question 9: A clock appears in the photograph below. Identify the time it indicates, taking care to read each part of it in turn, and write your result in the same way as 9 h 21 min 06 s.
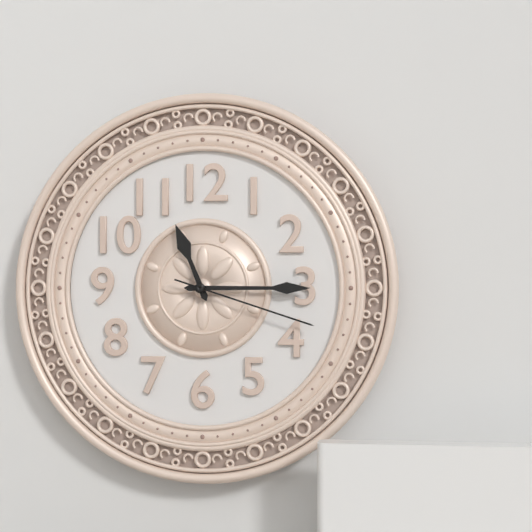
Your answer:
11 h 15 min 18 s
